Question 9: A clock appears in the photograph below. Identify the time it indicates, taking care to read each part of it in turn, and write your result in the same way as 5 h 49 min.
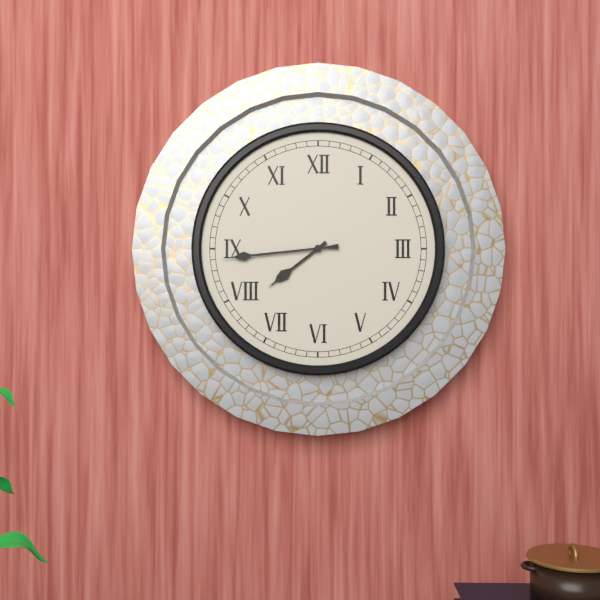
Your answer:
7 h 44 min
